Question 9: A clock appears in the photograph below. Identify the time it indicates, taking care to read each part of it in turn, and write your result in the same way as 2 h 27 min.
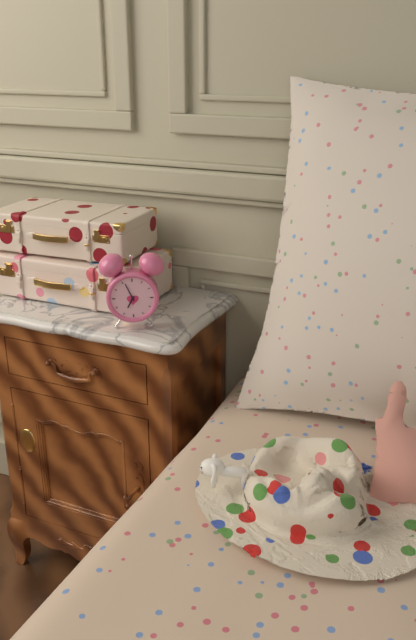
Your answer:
6 h 56 min
